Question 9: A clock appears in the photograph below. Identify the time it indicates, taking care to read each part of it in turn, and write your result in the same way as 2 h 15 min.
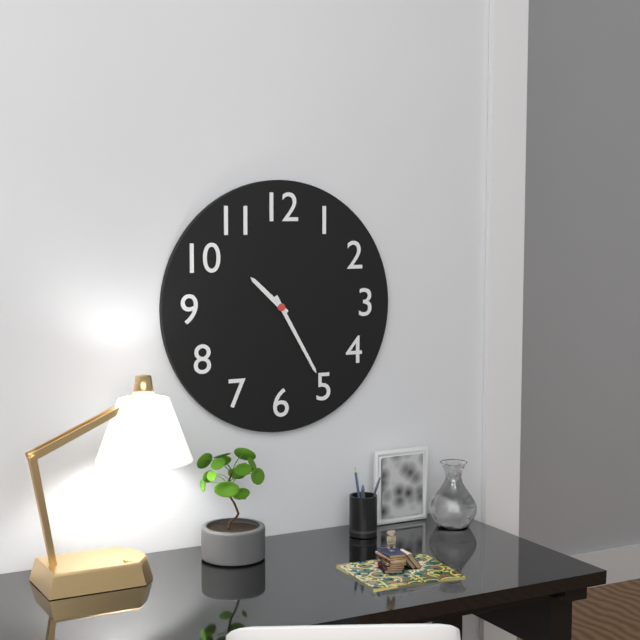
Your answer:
10 h 25 min
